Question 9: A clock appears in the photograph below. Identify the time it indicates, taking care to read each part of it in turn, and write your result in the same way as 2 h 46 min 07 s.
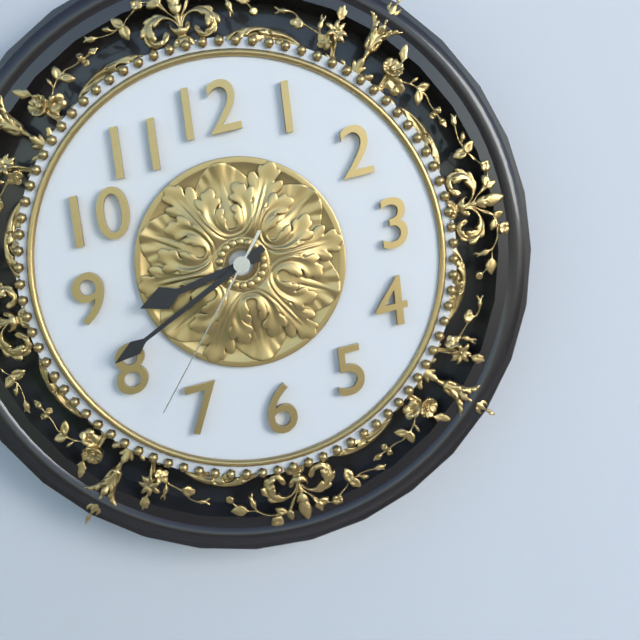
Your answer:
8 h 41 min 37 s
